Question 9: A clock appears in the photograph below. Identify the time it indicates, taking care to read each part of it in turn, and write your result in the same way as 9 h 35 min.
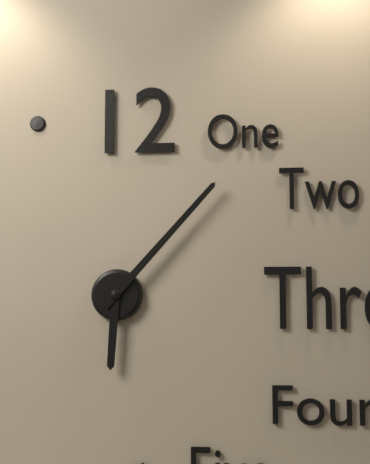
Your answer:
6 h 07 min
